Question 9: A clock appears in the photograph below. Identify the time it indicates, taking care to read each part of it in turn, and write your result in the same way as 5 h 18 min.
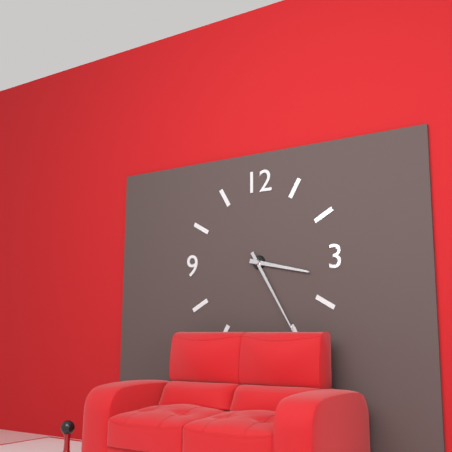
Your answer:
3 h 25 min
